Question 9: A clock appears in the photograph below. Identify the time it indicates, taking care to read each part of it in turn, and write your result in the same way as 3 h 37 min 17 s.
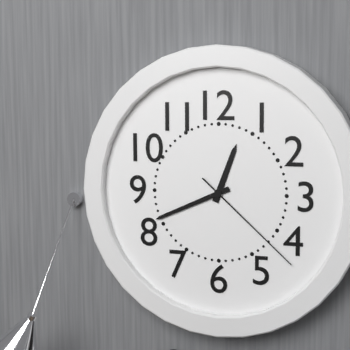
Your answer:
12 h 41 min 22 s
